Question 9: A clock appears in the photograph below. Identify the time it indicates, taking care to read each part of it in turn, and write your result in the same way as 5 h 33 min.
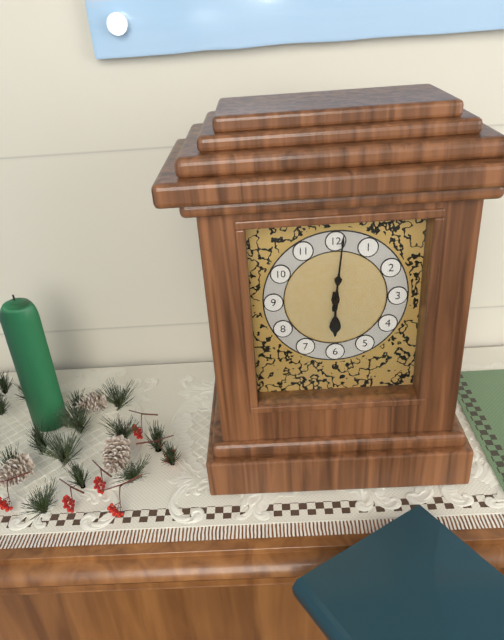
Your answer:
6 h 01 min
